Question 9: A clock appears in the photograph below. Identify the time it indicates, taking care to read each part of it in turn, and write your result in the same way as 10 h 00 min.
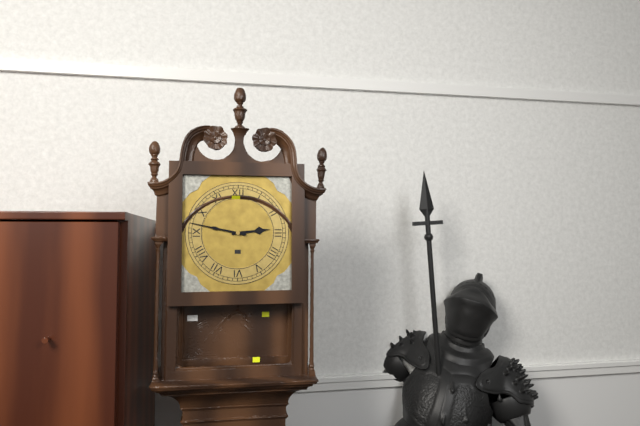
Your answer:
2 h 47 min
